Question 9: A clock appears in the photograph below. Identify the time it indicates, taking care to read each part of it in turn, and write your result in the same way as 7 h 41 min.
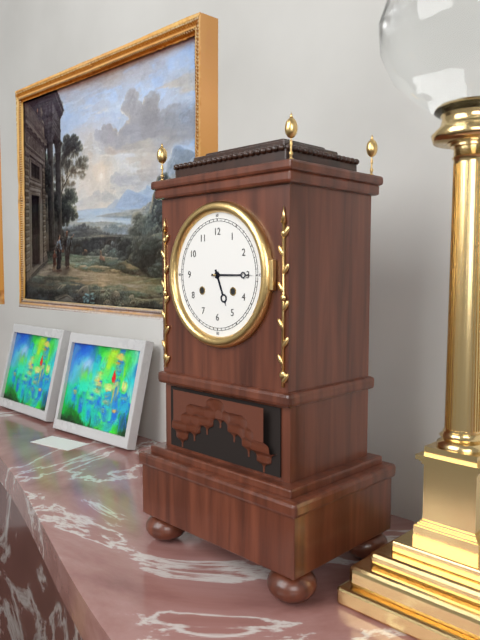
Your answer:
5 h 15 min
